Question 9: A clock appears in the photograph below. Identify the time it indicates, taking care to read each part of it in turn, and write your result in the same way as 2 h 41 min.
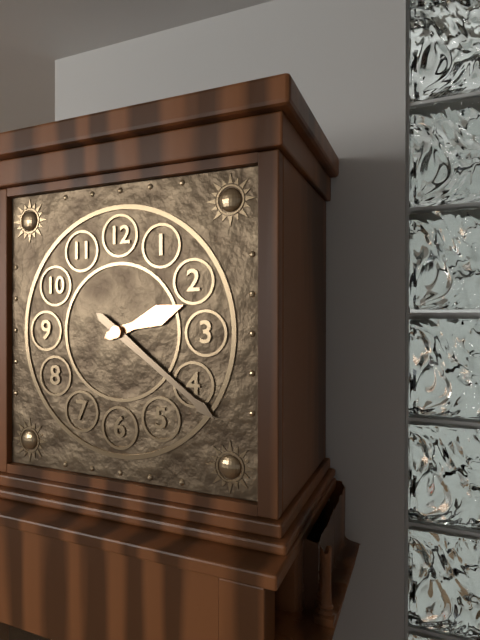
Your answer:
2 h 21 min
